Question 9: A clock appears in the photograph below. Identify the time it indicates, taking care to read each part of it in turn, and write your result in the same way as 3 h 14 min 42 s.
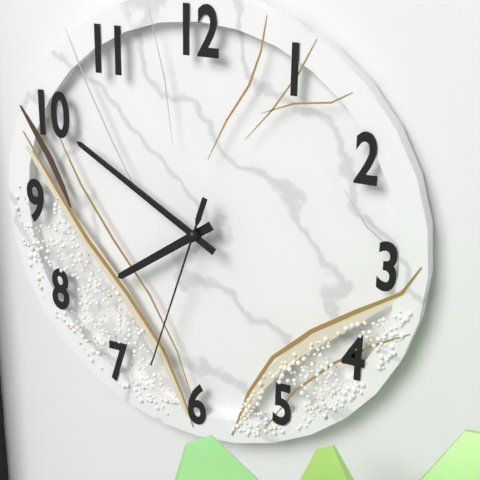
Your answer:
7 h 50 min 33 s
